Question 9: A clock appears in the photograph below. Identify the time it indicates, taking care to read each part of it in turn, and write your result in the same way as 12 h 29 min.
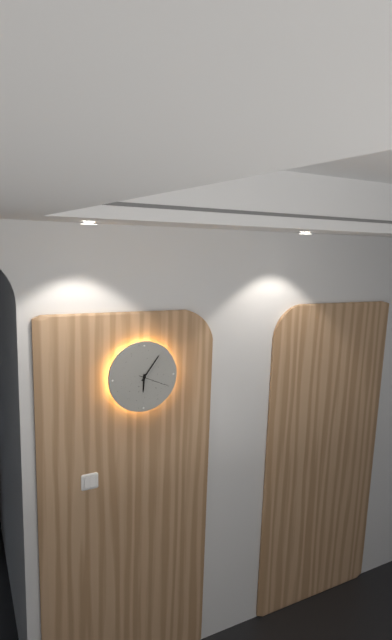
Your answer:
6 h 06 min
